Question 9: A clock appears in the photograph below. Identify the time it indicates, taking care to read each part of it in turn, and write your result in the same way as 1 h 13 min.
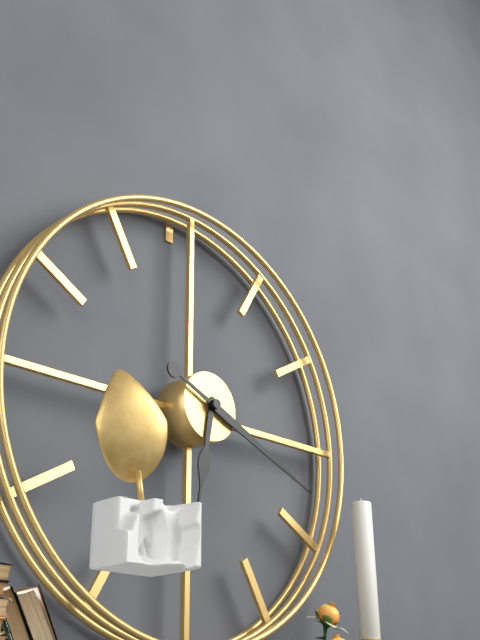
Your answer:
6 h 19 min
